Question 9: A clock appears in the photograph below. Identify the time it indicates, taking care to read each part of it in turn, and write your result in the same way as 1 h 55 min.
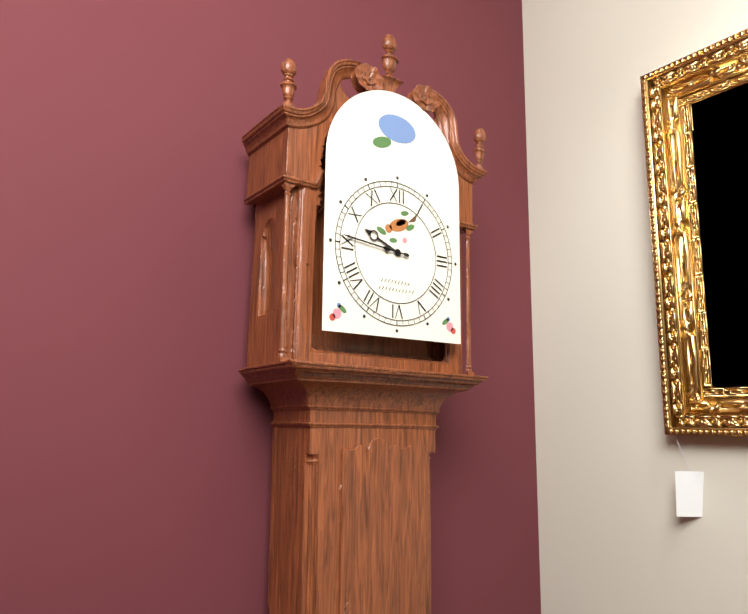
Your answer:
9 h 46 min
